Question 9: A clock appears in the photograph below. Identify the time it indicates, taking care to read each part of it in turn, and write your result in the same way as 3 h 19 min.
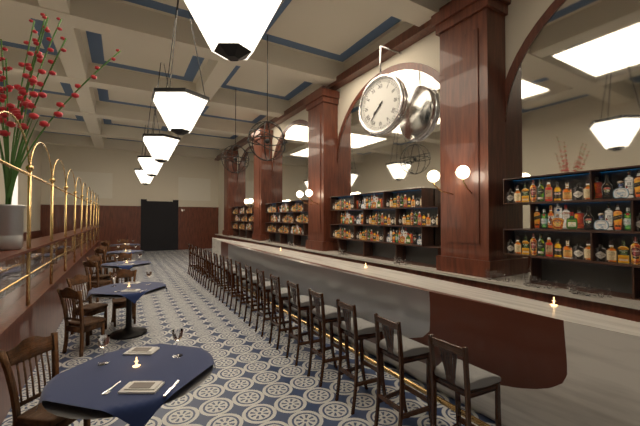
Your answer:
7 h 37 min
